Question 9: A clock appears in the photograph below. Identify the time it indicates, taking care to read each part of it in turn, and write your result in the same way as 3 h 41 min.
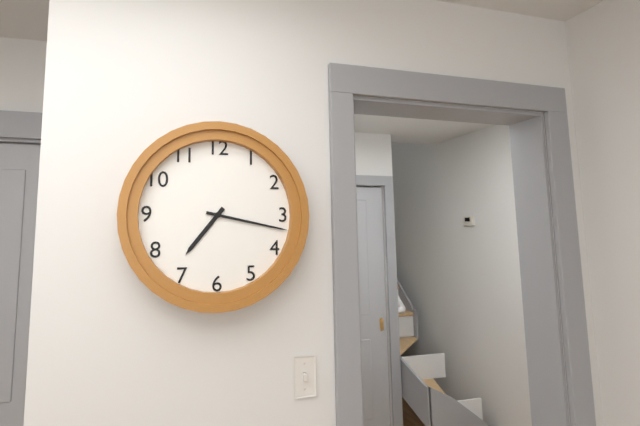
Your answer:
7 h 17 min
